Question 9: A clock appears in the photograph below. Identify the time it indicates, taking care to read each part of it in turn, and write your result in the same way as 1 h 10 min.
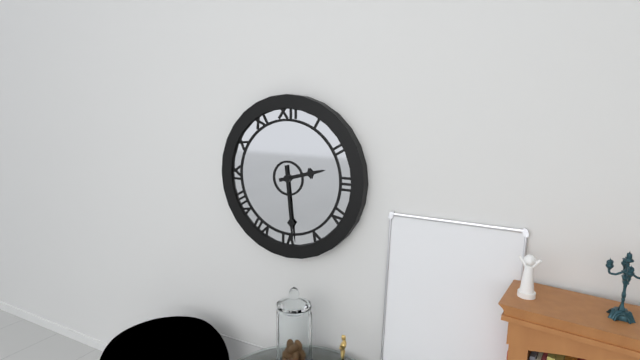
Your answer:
2 h 29 min
